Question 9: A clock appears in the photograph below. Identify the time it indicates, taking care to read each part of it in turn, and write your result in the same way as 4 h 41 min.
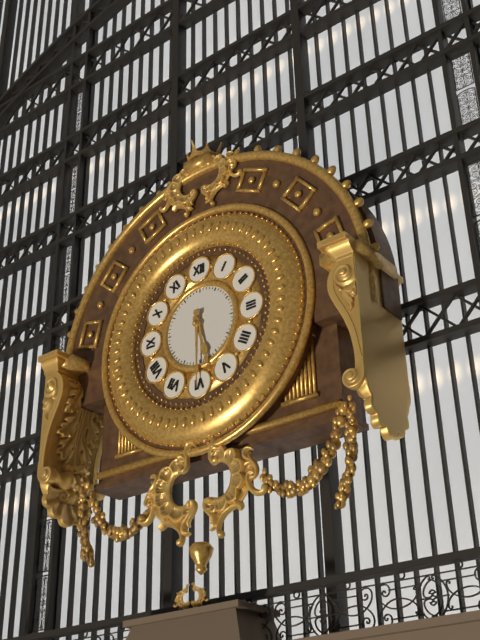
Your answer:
5 h 30 min
